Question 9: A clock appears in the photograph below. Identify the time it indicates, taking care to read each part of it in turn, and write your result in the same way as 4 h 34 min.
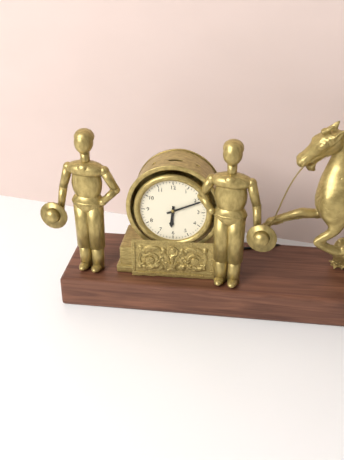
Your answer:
6 h 11 min
